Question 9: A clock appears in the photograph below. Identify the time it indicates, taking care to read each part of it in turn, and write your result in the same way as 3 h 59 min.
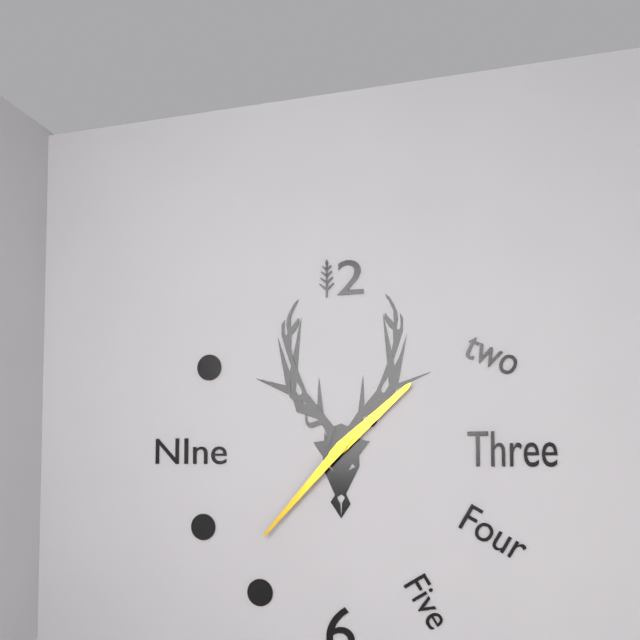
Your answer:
1 h 37 min
